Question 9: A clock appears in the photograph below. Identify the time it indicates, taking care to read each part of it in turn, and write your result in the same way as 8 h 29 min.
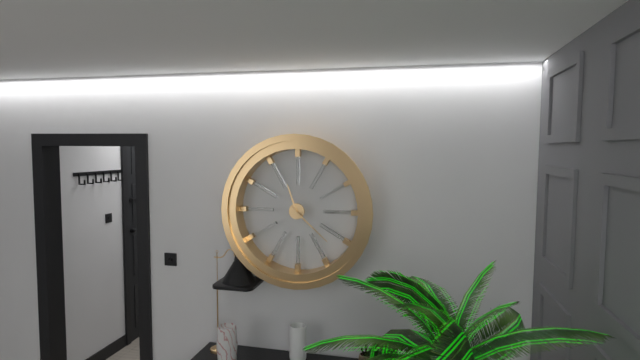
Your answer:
11 h 22 min
